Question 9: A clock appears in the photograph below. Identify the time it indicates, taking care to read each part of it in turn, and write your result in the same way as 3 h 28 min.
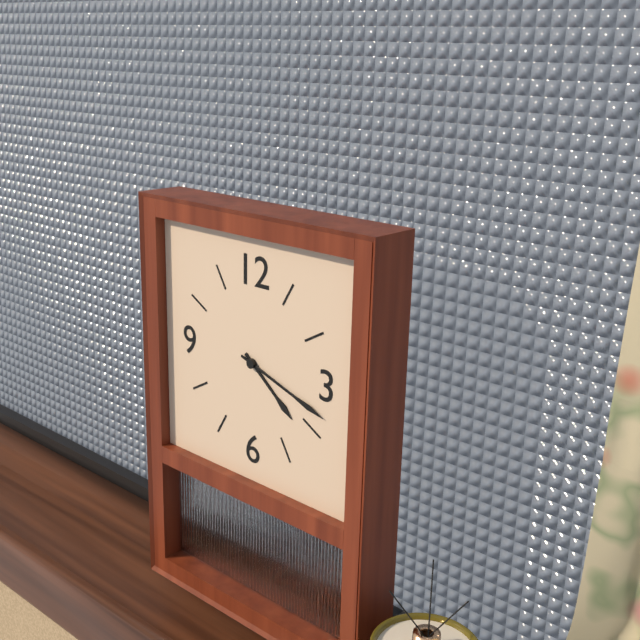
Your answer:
4 h 18 min
